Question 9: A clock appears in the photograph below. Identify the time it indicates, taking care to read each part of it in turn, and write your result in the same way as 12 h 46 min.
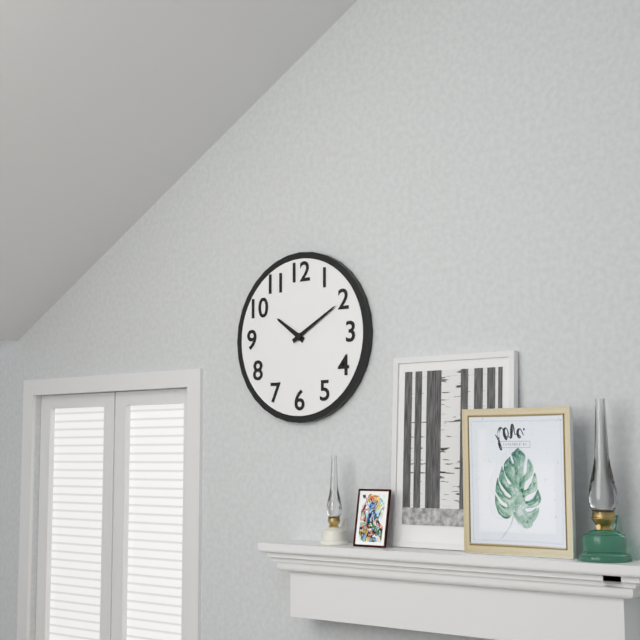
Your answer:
10 h 10 min
